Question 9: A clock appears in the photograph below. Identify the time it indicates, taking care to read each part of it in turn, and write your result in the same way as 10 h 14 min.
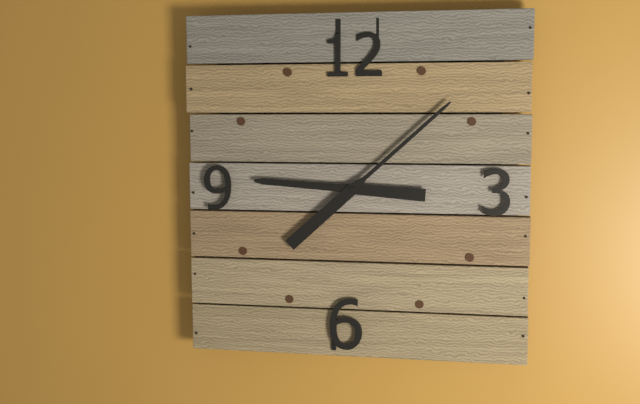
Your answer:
9 h 08 min
